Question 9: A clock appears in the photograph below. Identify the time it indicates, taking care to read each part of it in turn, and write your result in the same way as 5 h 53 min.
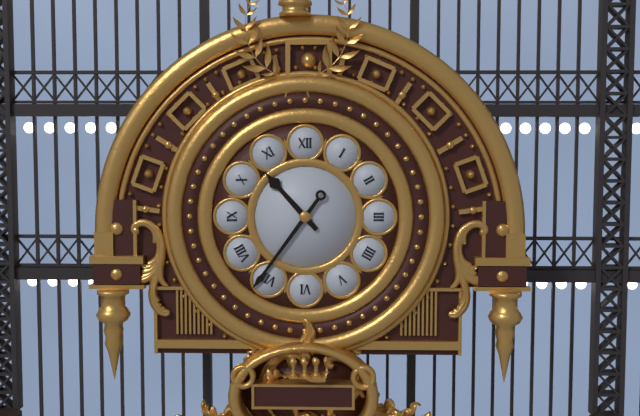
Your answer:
10 h 36 min
